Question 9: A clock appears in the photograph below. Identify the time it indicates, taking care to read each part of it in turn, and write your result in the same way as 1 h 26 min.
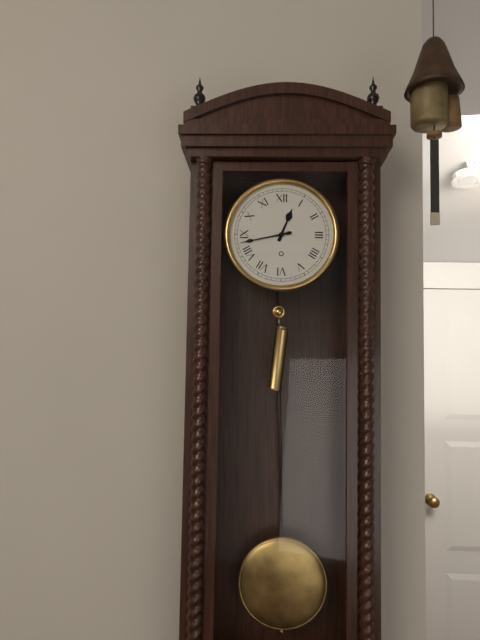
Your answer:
12 h 43 min
